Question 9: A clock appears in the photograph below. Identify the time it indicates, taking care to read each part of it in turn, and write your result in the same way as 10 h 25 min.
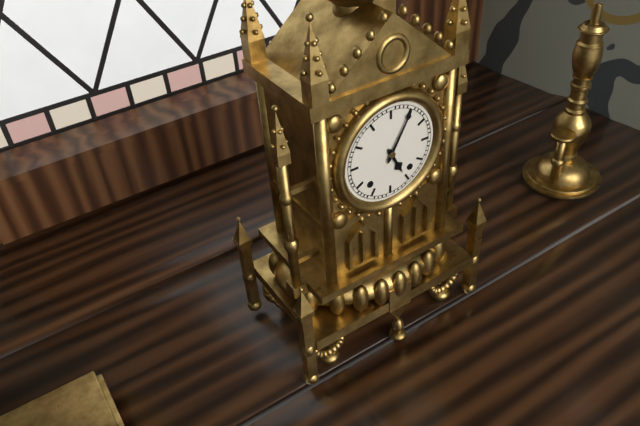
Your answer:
5 h 05 min
